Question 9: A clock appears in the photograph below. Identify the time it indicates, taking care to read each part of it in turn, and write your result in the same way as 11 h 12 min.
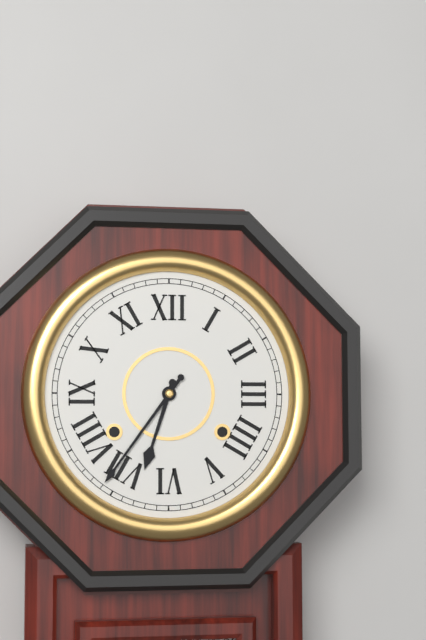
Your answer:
6 h 36 min
